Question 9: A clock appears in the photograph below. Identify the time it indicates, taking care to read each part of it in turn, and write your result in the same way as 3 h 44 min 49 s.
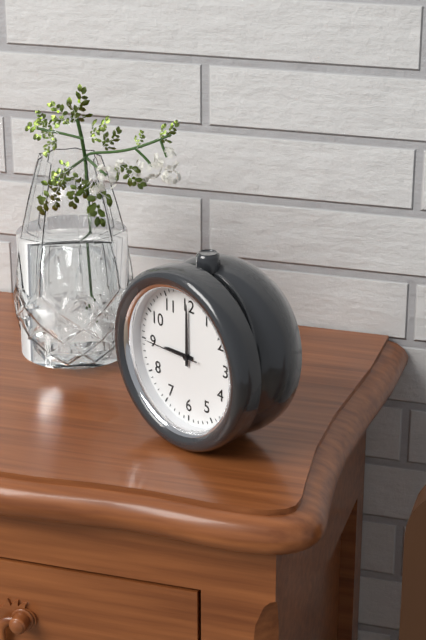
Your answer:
9 h 00 min 45 s
